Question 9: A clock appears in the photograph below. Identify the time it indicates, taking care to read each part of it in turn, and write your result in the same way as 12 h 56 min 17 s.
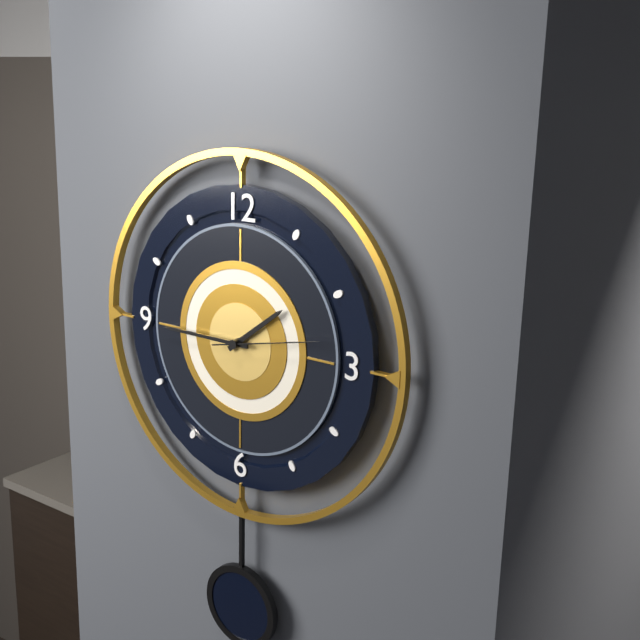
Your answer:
1 h 45 min 13 s
